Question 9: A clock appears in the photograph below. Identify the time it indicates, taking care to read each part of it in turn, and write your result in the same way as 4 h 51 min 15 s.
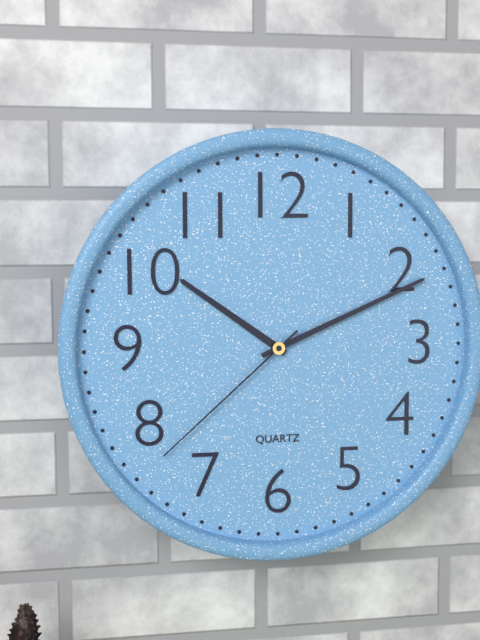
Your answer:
10 h 11 min 38 s
